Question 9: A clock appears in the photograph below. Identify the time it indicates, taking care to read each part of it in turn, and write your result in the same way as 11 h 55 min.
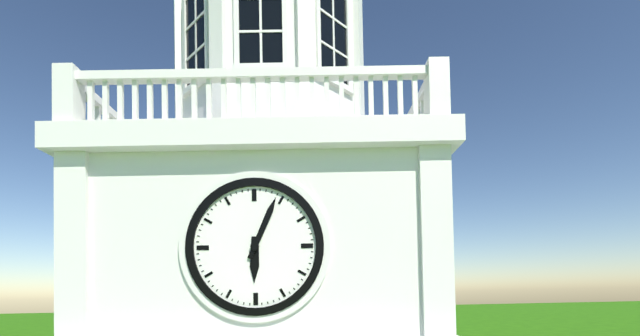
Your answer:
6 h 04 min
